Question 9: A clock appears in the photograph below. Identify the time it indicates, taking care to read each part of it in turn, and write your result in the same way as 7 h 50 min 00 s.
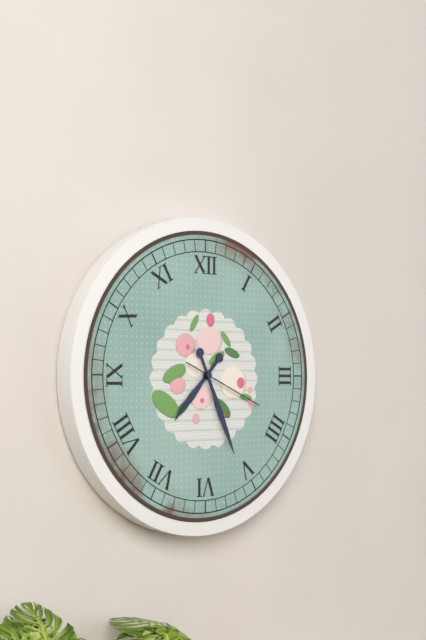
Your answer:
7 h 26 min 19 s
